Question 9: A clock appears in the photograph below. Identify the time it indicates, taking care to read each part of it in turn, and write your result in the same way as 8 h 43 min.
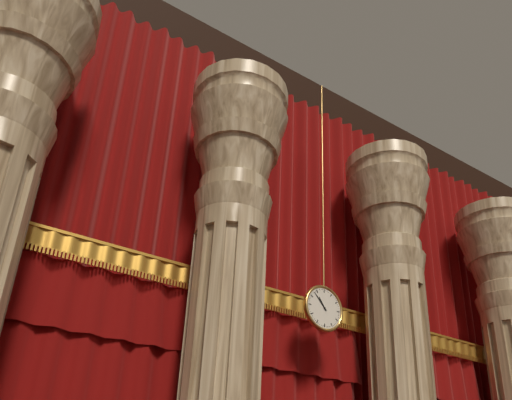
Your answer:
10 h 53 min
